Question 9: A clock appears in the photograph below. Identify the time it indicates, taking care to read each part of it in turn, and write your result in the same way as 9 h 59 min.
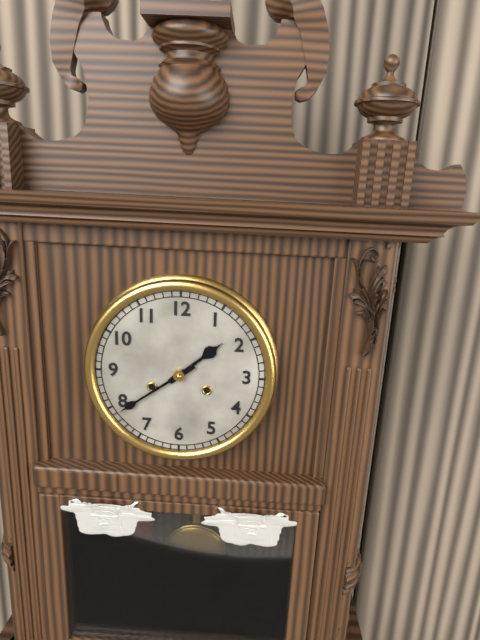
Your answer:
1 h 39 min
